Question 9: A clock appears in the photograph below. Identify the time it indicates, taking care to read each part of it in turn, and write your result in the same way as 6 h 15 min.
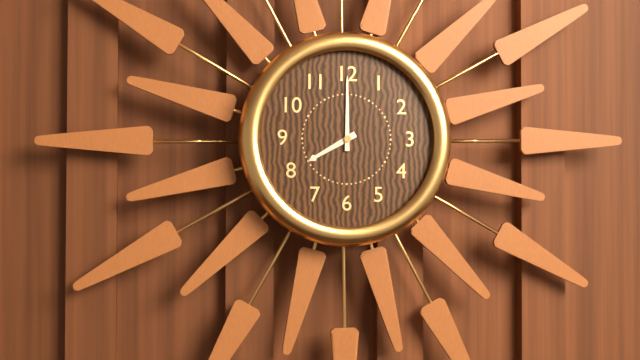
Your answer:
8 h 00 min
